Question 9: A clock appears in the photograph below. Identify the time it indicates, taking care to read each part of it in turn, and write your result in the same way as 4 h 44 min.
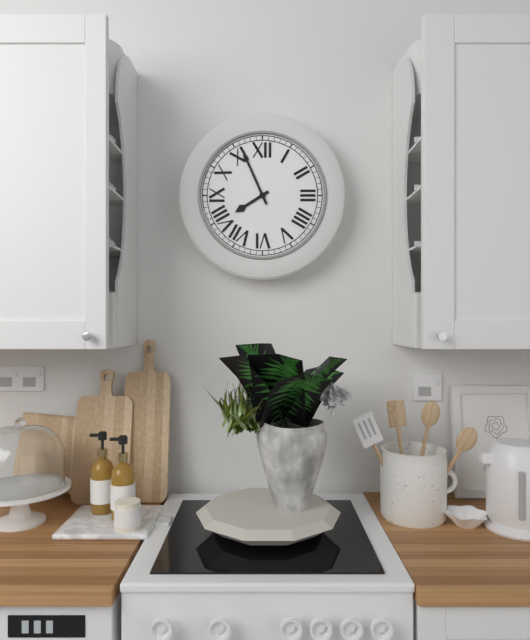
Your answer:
7 h 56 min
